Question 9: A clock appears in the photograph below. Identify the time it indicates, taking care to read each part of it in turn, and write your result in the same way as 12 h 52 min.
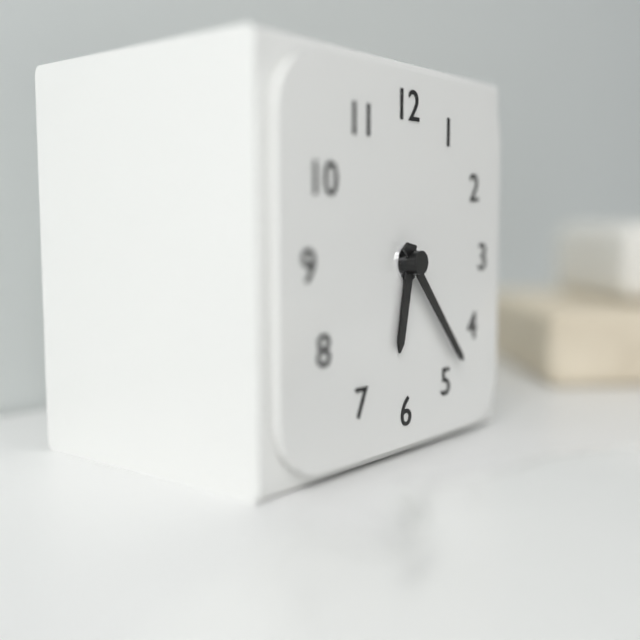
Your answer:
6 h 23 min
